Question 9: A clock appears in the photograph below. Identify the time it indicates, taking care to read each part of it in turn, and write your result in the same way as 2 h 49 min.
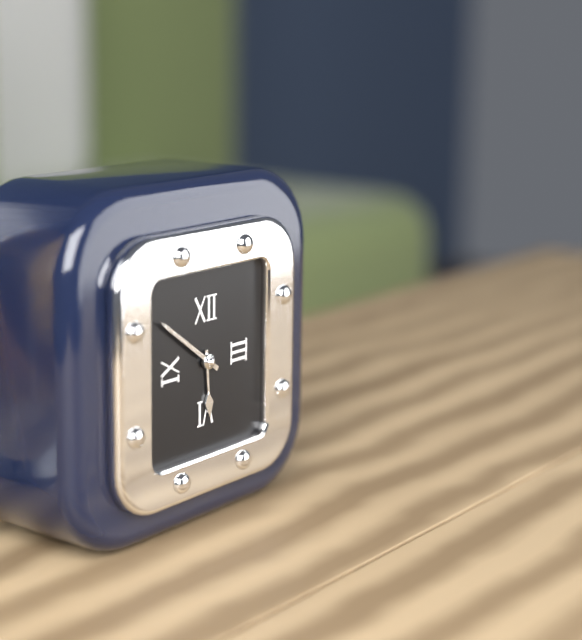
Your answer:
5 h 51 min
